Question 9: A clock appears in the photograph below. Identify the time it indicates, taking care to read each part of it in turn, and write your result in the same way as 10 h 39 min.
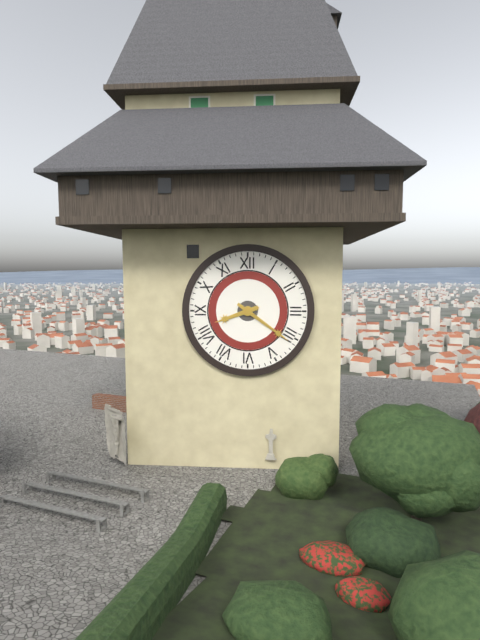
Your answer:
8 h 21 min
